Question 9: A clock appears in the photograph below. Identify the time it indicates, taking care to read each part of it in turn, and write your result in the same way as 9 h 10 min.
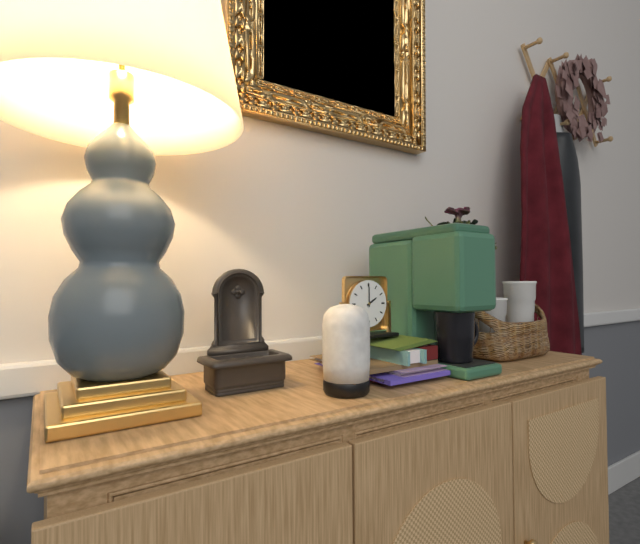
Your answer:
2 h 00 min
